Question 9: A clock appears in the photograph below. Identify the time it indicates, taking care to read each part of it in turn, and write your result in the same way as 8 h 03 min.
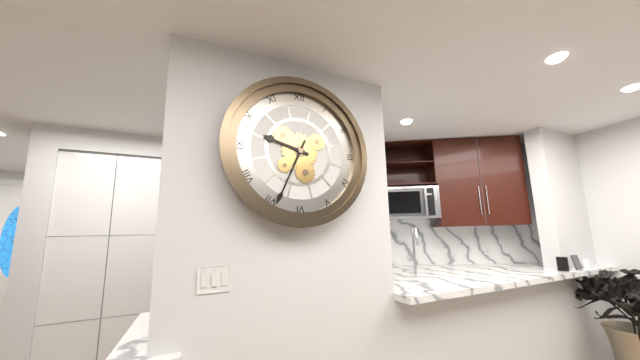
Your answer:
9 h 34 min
